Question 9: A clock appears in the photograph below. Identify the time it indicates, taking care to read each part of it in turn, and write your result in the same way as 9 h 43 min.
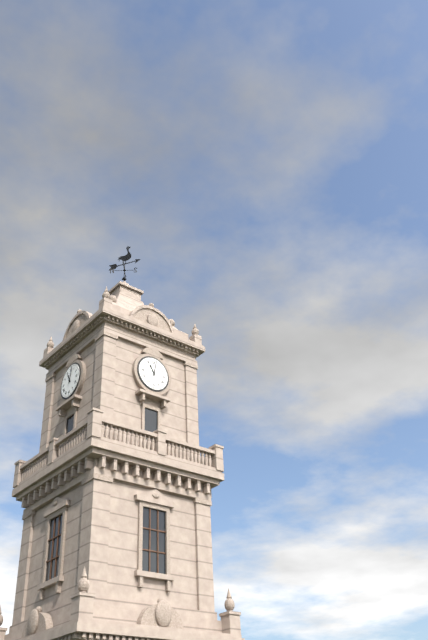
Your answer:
11 h 02 min
